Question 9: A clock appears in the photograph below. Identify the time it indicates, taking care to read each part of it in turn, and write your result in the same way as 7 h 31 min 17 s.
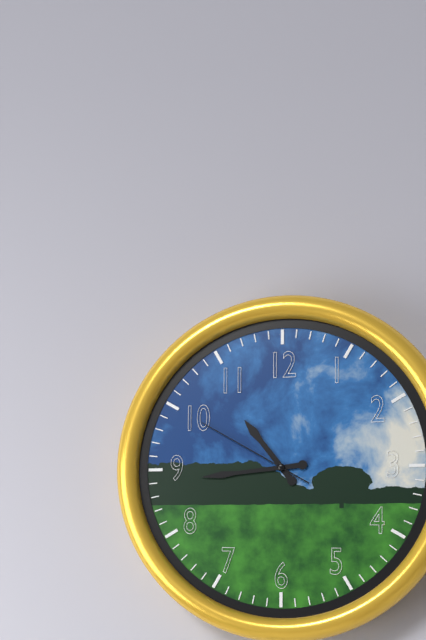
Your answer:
10 h 44 min 50 s
